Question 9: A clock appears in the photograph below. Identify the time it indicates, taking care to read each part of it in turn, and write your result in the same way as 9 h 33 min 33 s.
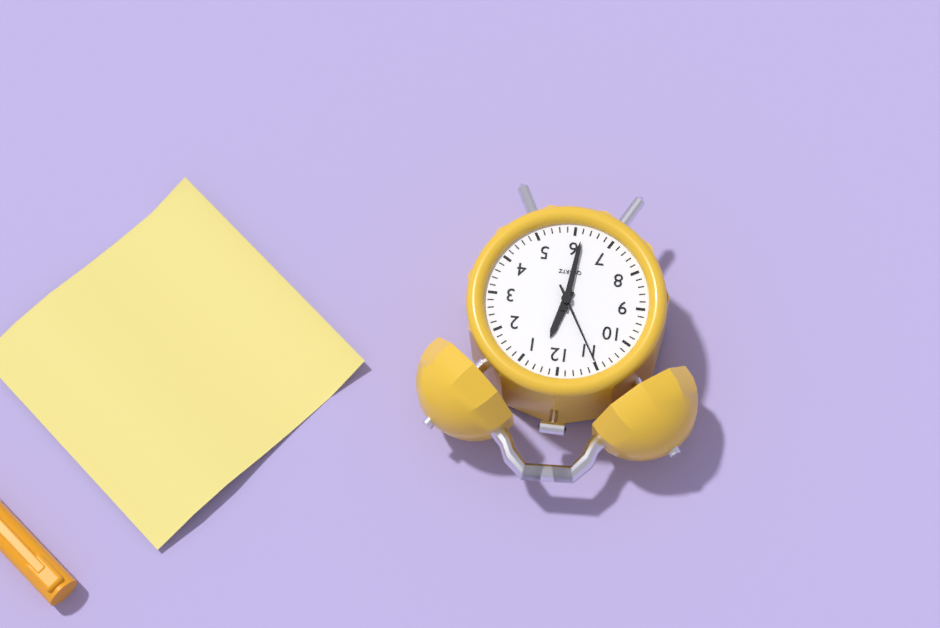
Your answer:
12 h 31 min 55 s
